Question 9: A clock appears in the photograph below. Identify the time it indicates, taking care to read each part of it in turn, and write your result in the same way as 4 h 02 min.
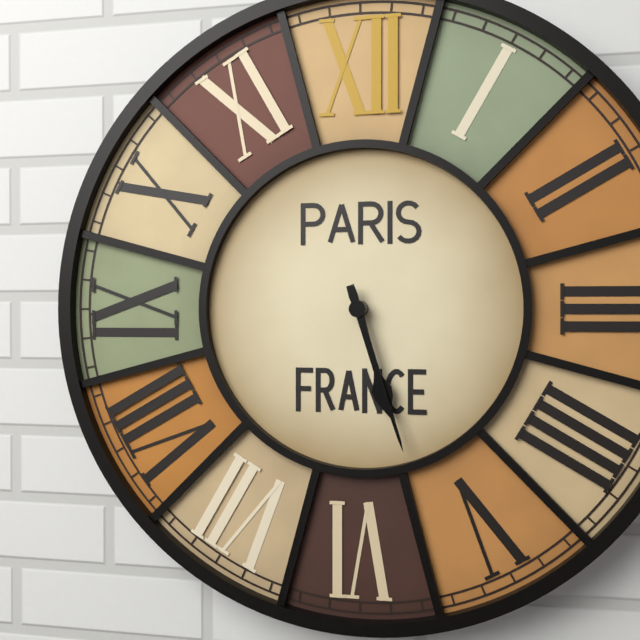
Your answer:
5 h 27 min
